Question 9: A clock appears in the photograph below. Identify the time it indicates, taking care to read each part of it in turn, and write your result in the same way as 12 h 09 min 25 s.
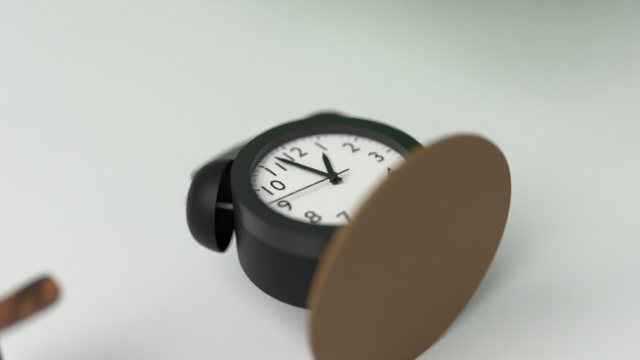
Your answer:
12 h 57 min 46 s
